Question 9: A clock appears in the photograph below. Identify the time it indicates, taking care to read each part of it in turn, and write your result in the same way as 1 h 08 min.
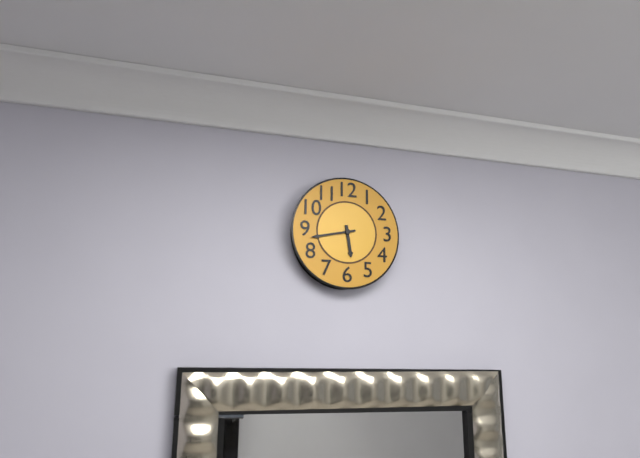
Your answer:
5 h 43 min
